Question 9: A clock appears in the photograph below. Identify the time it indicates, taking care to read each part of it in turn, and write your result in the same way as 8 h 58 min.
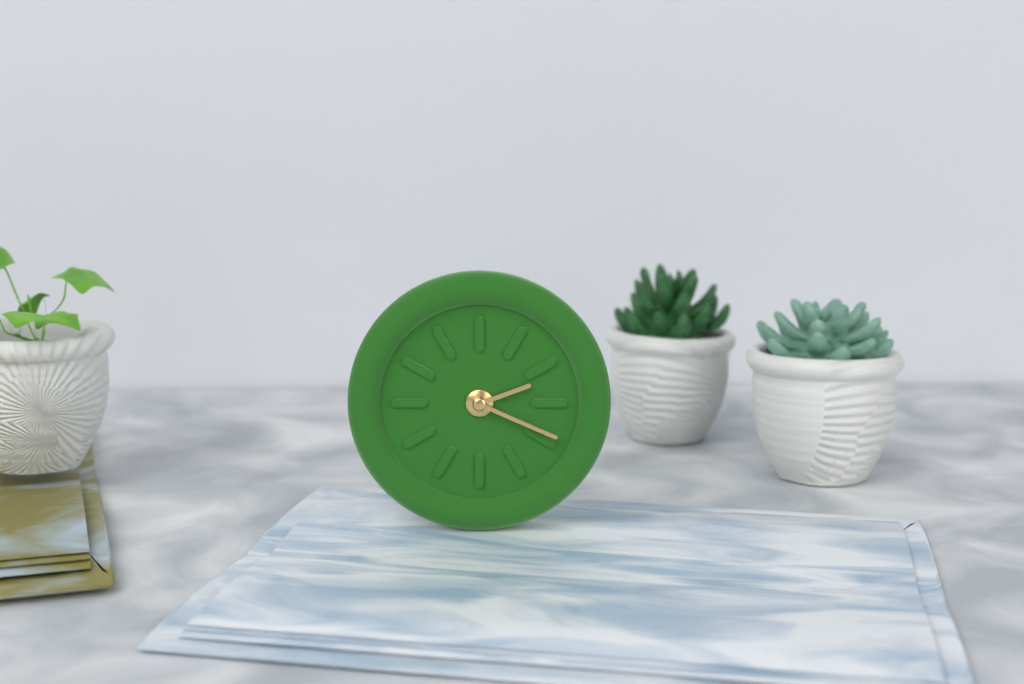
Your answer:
2 h 19 min
